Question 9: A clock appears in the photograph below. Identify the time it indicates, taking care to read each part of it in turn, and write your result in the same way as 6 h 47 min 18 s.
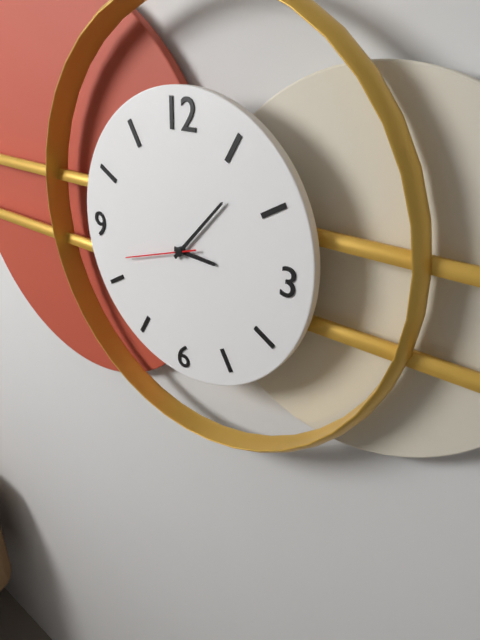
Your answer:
3 h 07 min 42 s
